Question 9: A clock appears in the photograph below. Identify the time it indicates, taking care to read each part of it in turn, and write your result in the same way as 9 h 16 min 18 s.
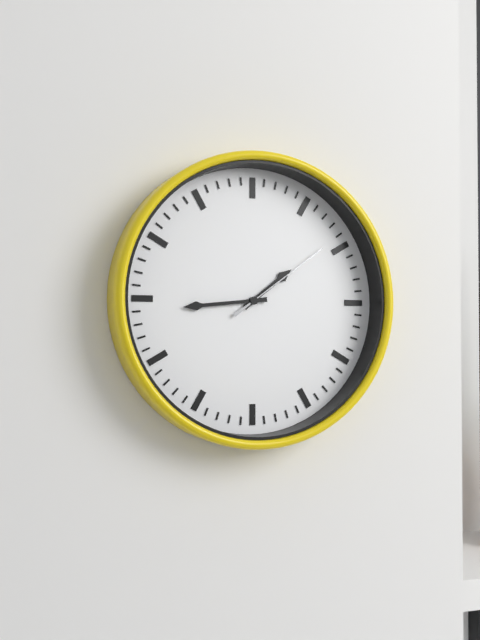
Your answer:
1 h 44 min 09 s
